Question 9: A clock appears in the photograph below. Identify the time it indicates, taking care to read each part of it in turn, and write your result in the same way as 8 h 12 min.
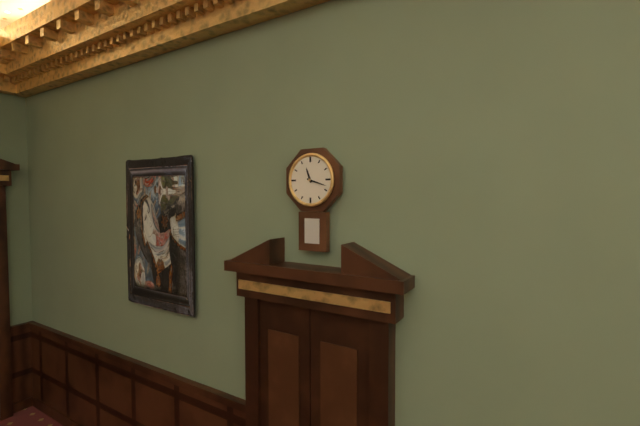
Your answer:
11 h 18 min
